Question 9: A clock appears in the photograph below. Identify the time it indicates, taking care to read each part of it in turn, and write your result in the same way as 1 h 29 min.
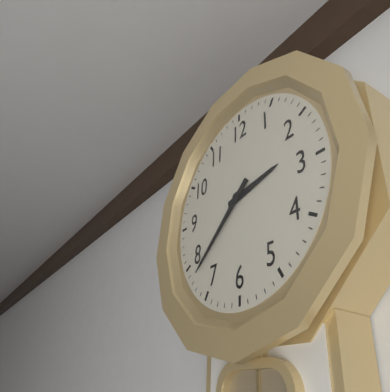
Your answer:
2 h 38 min
